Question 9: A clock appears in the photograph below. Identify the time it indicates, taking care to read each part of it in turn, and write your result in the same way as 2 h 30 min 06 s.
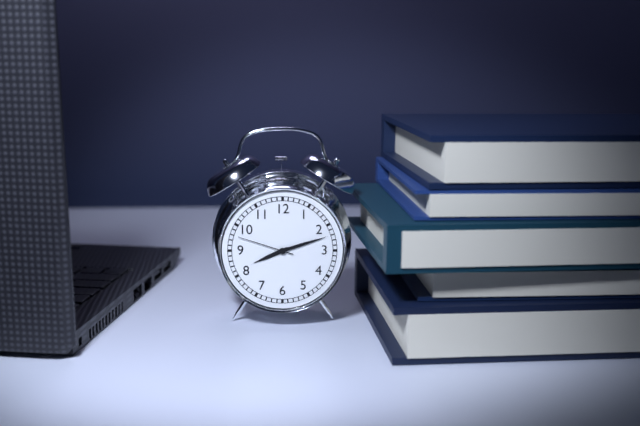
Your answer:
8 h 12 min 48 s
